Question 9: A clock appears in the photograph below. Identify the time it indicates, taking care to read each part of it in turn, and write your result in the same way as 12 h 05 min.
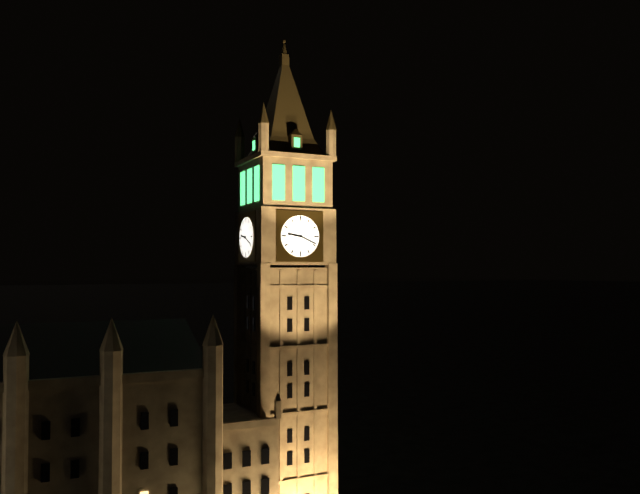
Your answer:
9 h 19 min
